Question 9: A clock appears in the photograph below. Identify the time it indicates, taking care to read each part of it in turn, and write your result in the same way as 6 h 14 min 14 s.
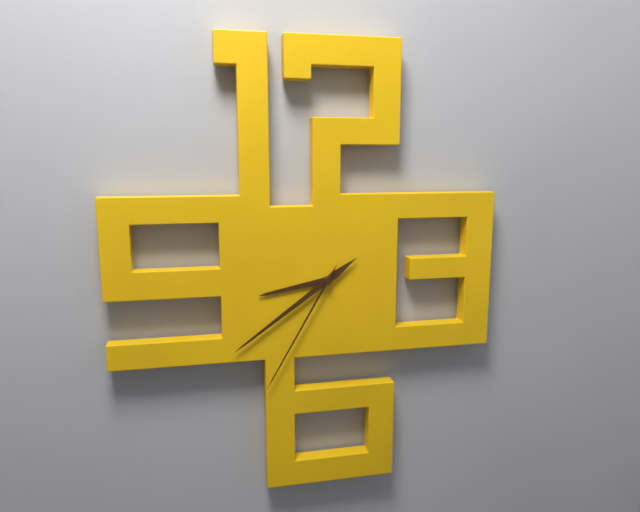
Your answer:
8 h 39 min 35 s
